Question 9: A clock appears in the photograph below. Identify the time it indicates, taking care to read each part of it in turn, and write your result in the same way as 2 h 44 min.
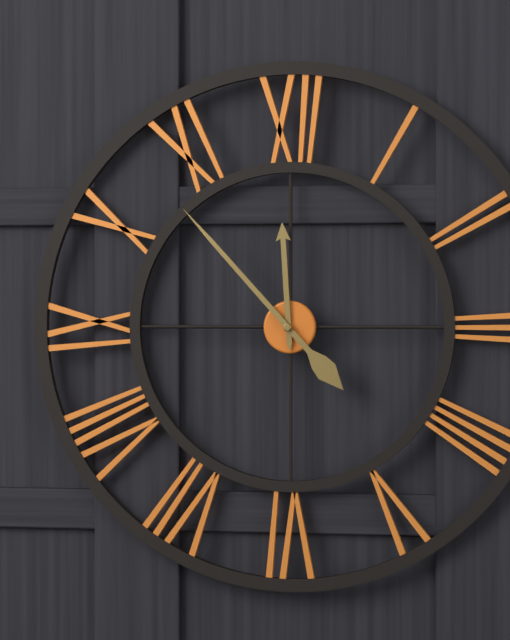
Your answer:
11 h 53 min
